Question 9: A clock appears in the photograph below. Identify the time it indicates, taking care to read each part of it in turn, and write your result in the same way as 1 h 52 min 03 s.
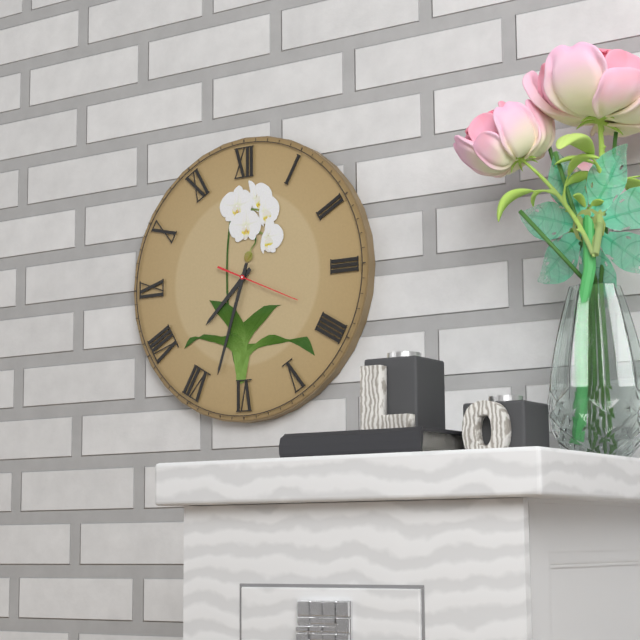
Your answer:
7 h 33 min 19 s
